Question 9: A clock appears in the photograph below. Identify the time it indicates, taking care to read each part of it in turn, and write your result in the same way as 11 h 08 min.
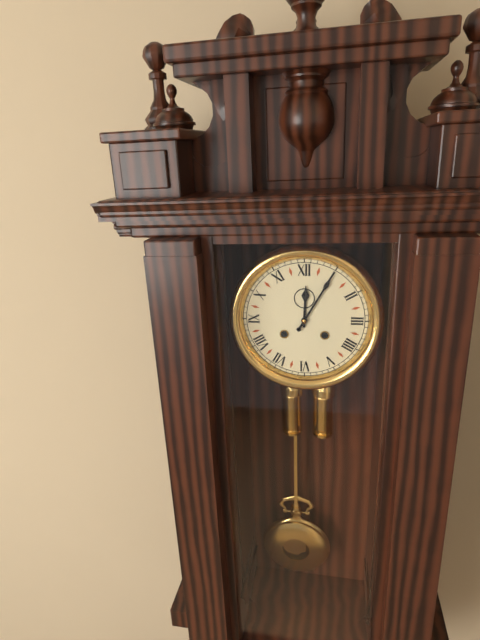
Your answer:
12 h 05 min
